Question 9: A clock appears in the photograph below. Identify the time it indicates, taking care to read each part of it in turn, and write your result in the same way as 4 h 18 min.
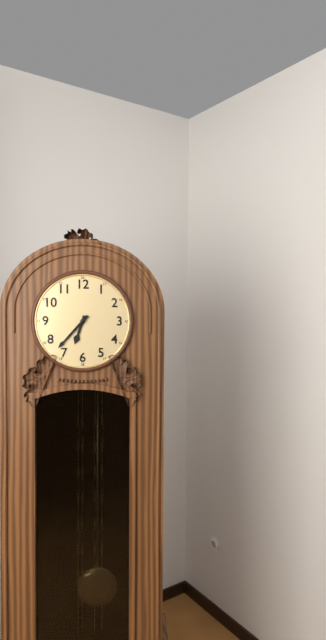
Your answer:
6 h 37 min
